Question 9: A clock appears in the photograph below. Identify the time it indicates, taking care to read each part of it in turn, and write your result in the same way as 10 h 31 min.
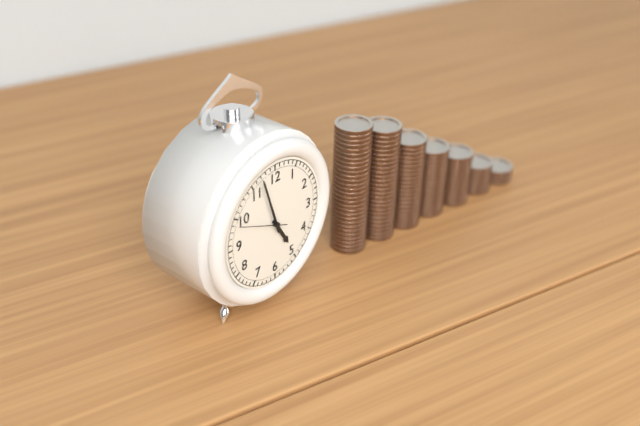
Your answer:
4 h 57 min
